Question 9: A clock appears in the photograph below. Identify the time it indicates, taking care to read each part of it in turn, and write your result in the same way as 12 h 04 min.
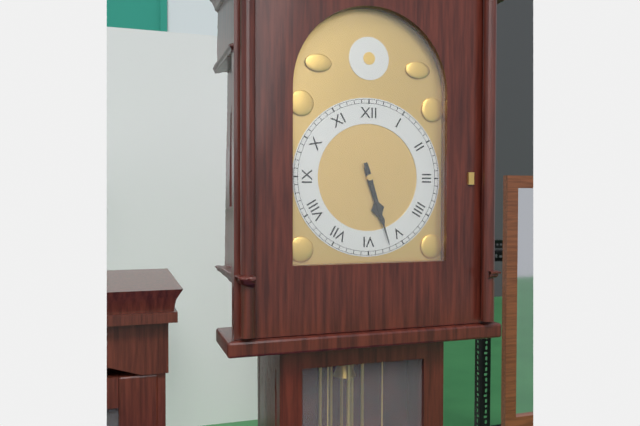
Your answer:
5 h 27 min
